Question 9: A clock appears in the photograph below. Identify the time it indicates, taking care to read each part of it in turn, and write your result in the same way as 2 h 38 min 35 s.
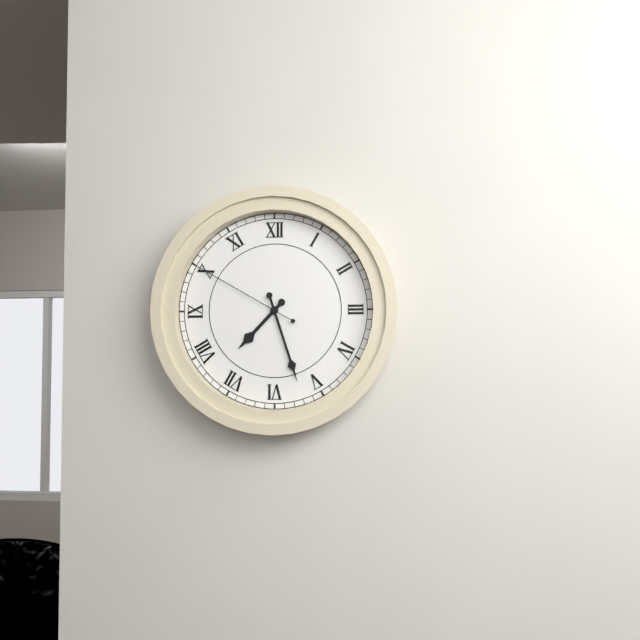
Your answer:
7 h 27 min 50 s
